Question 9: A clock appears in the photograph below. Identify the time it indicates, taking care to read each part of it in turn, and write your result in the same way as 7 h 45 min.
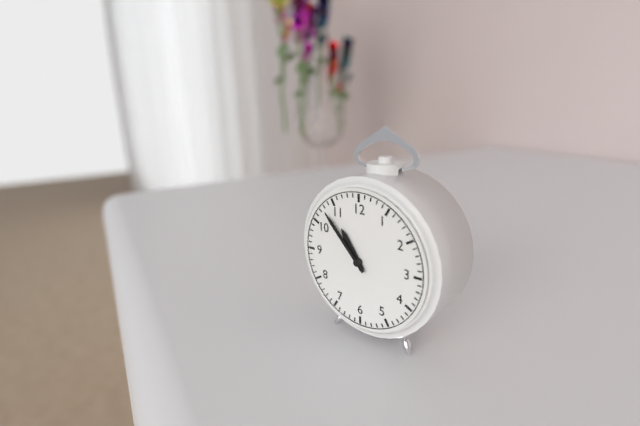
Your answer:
10 h 53 min
